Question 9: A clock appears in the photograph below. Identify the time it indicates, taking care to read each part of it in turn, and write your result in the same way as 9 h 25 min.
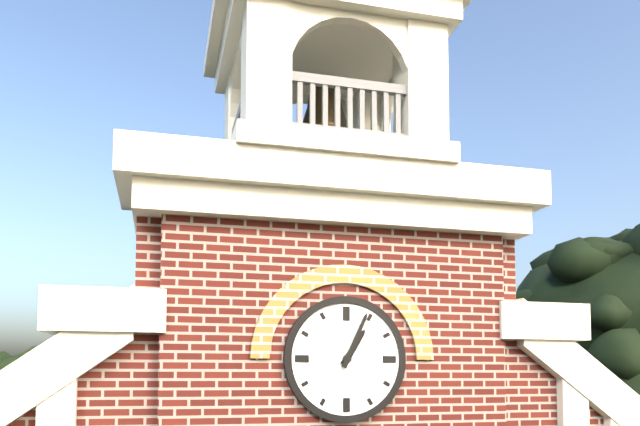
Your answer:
1 h 04 min
